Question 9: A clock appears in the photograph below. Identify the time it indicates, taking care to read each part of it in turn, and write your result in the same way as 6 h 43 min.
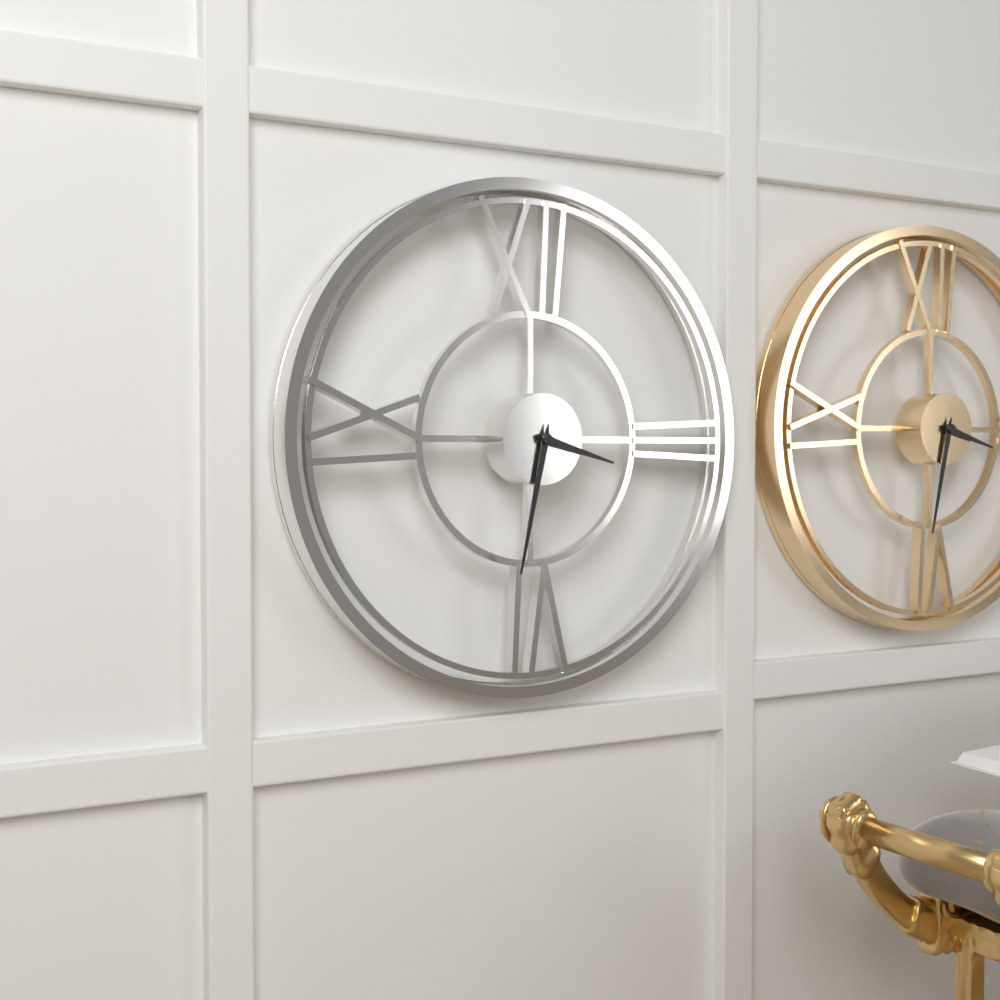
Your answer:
3 h 32 min
